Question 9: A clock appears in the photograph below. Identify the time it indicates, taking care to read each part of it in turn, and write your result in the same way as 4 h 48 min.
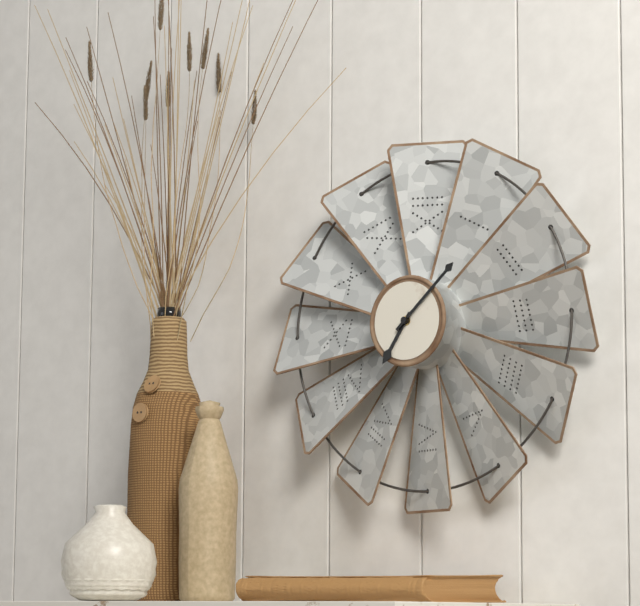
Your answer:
7 h 08 min
